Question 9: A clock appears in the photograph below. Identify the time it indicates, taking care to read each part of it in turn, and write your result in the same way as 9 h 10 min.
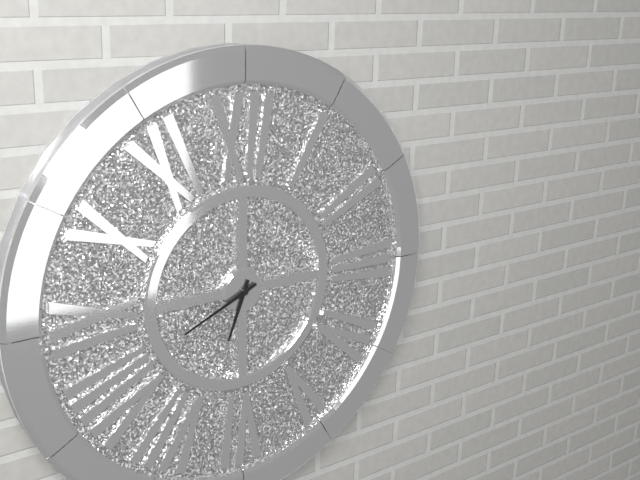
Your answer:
6 h 41 min
